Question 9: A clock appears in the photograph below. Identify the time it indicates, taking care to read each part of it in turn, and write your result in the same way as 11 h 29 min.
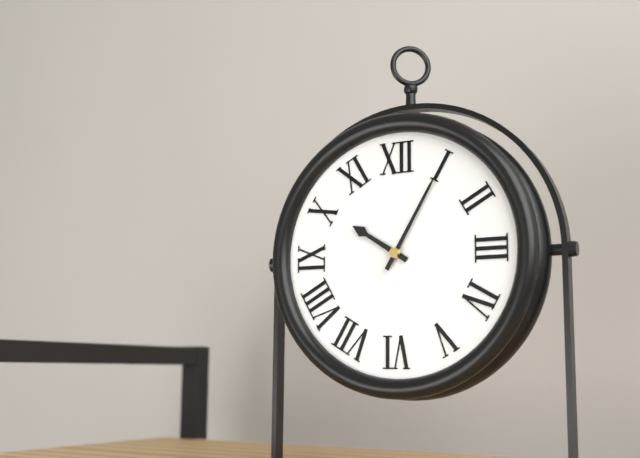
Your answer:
10 h 05 min
